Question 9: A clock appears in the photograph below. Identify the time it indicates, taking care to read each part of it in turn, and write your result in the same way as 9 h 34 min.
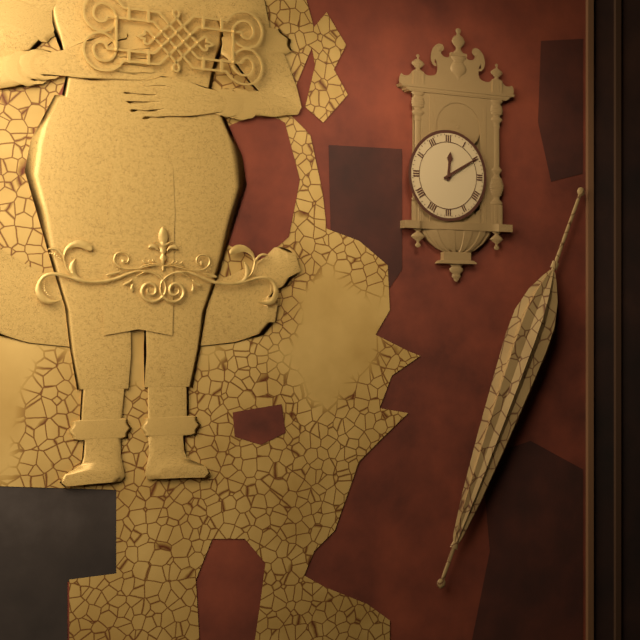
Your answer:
12 h 10 min
